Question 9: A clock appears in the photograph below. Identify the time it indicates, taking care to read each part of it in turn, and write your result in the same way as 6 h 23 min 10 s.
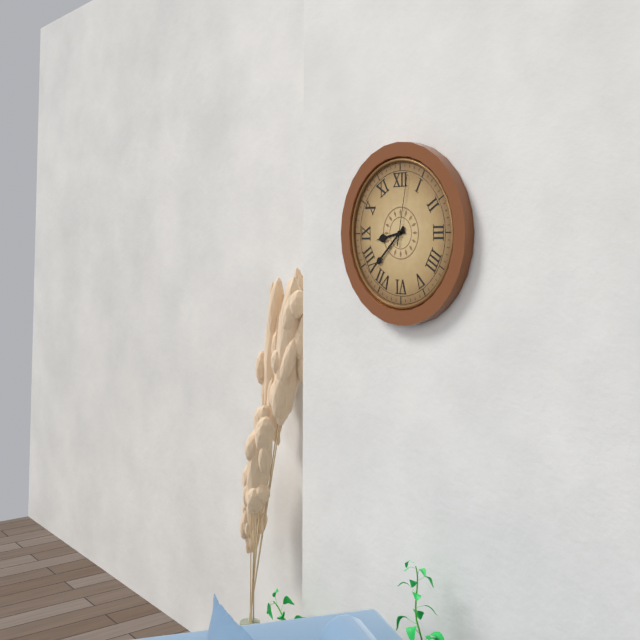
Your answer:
8 h 38 min 02 s
